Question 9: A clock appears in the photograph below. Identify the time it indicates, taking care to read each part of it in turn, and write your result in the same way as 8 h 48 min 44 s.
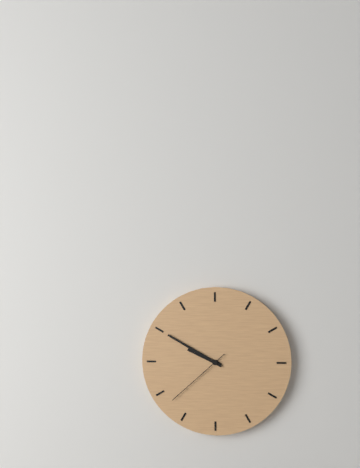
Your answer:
9 h 50 min 38 s
